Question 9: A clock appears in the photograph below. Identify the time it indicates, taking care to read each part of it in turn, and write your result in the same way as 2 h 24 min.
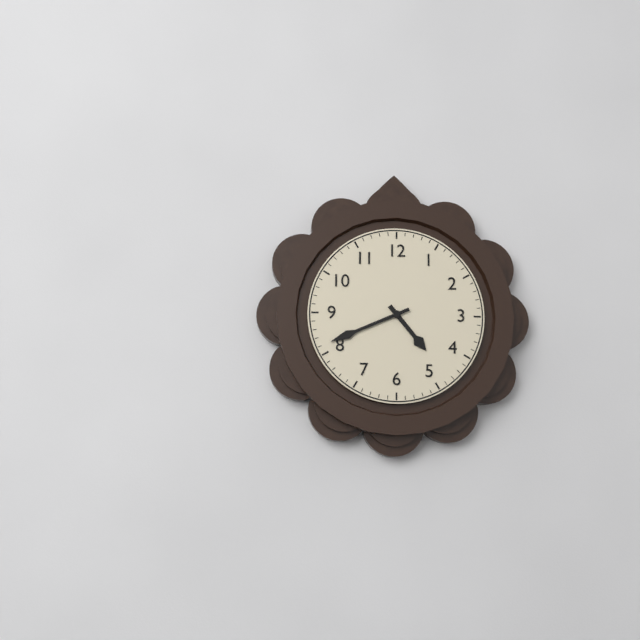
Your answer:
4 h 41 min
